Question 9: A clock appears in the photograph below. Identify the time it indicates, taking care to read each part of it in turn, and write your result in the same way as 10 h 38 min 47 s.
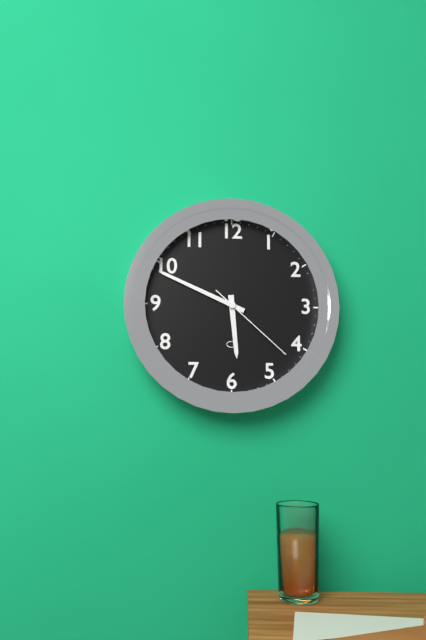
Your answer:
5 h 49 min 22 s
